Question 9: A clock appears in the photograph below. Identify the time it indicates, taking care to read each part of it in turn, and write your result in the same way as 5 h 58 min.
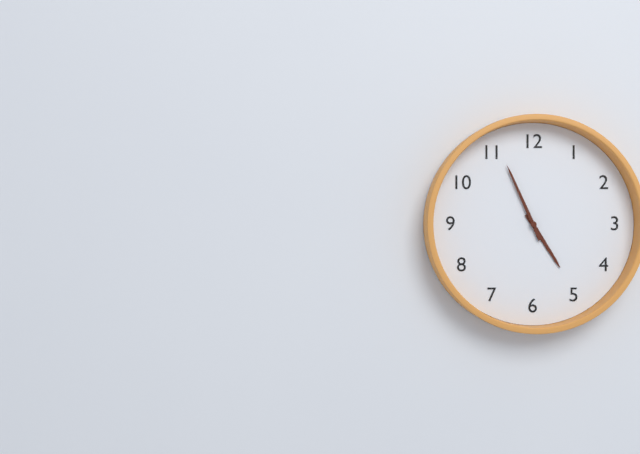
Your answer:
4 h 56 min
